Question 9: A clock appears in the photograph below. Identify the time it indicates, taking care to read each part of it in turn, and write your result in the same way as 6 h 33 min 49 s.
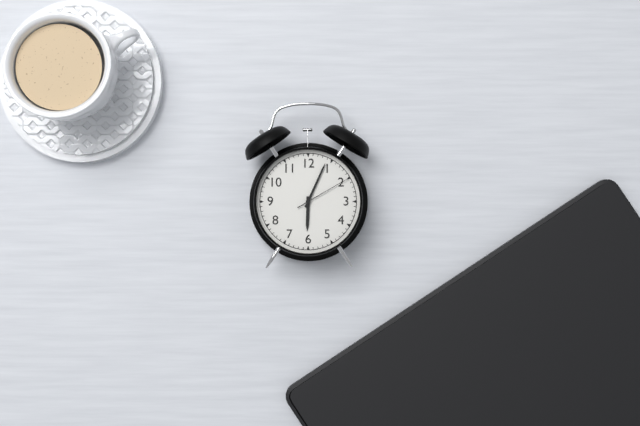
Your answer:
6 h 04 min 10 s
